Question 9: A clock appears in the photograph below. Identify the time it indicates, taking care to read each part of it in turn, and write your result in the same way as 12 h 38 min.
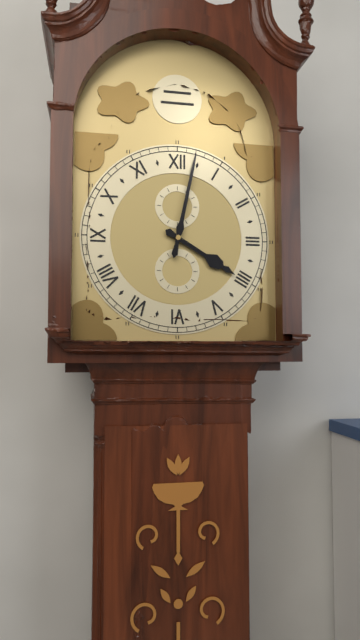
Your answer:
4 h 02 min
